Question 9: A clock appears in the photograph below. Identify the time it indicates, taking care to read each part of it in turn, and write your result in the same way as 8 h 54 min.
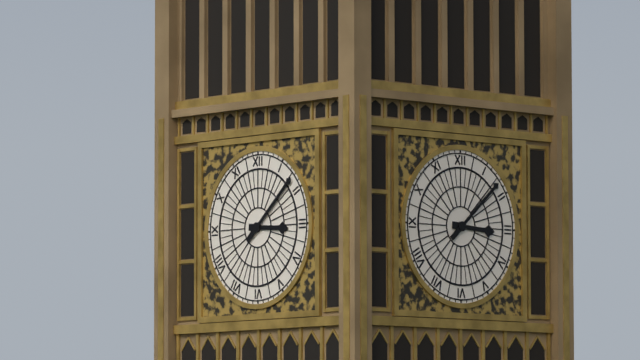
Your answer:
3 h 08 min
